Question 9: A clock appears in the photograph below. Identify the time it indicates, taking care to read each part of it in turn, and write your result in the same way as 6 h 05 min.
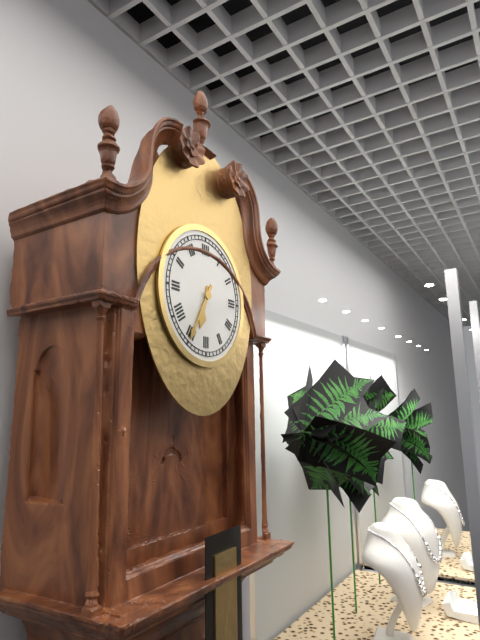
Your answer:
6 h 35 min
